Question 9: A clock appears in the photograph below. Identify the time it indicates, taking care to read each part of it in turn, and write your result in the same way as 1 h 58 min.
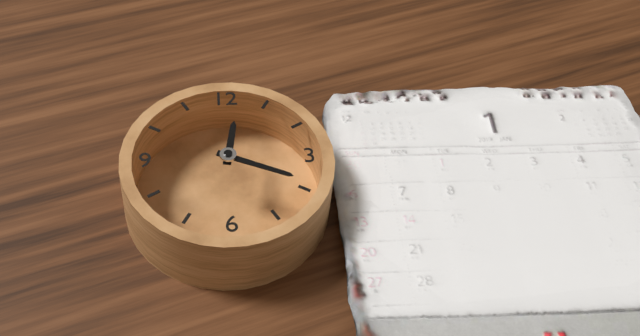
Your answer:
12 h 19 min
